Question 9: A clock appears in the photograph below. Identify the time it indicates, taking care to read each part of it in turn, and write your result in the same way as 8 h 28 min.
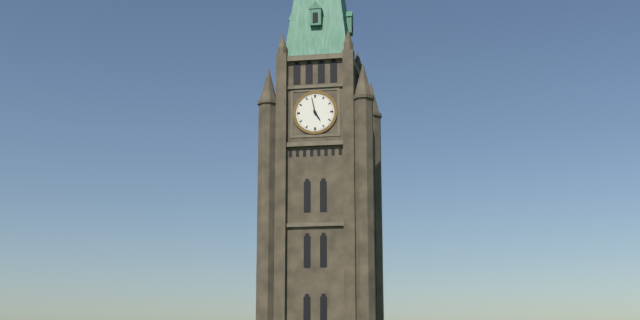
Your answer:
4 h 58 min
